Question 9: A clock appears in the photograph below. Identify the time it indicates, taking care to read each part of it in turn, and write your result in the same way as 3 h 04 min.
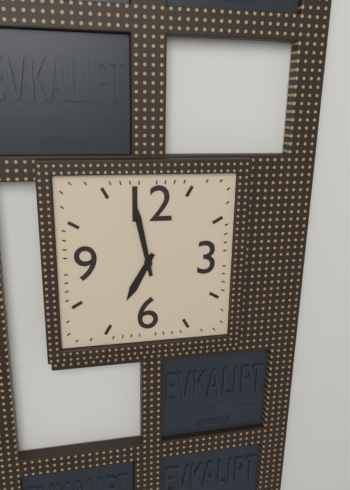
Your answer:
6 h 58 min
